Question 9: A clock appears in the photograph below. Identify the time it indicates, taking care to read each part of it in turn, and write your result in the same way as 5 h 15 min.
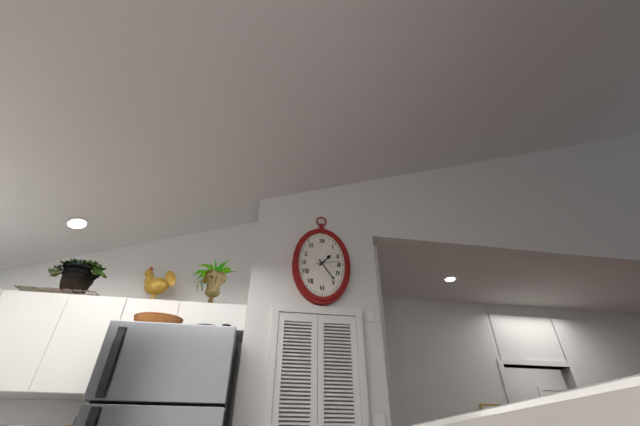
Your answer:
1 h 24 min
